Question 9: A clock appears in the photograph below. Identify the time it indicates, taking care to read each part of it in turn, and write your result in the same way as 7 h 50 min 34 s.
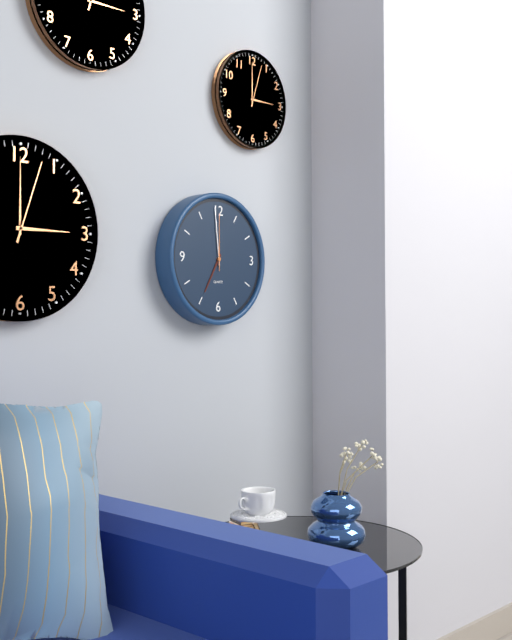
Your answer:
6 h 59 min 00 s
